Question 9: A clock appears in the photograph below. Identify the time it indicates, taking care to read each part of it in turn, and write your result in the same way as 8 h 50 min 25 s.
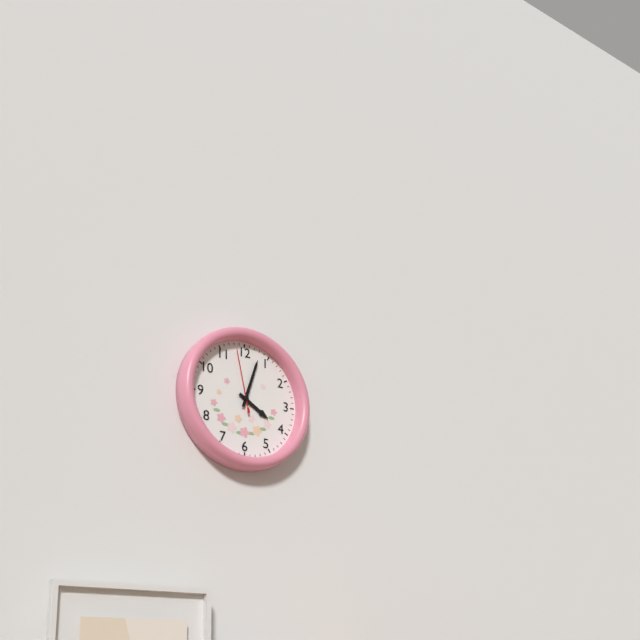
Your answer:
4 h 03 min 58 s
